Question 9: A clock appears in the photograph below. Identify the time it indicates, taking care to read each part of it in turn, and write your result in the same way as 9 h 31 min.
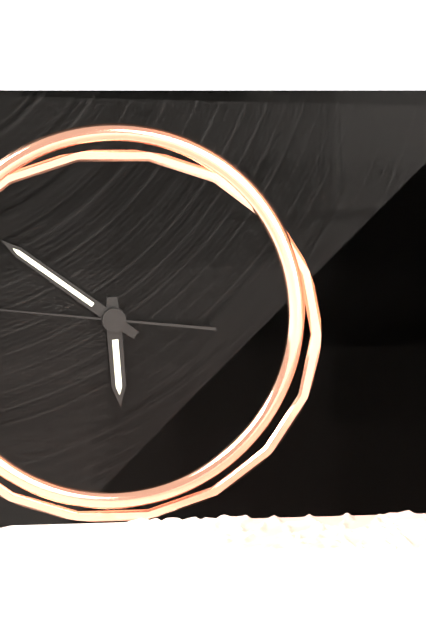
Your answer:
5 h 51 min
